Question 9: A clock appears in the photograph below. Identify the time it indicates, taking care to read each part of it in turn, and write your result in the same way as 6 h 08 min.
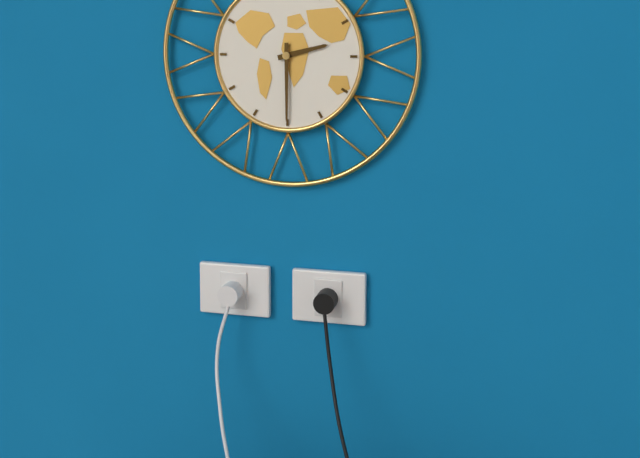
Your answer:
2 h 30 min
